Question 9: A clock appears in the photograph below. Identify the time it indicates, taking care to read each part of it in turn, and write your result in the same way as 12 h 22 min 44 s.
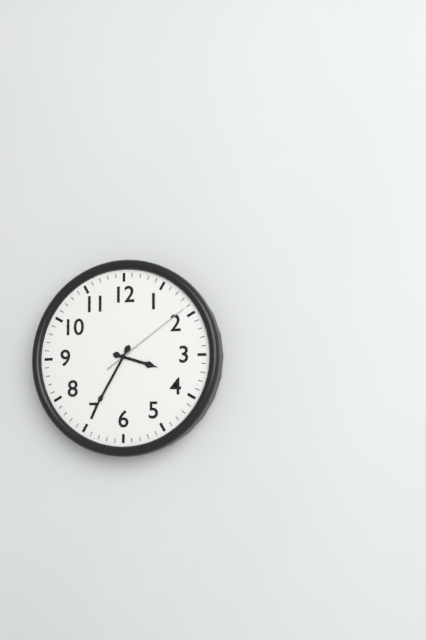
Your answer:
3 h 35 min 09 s
